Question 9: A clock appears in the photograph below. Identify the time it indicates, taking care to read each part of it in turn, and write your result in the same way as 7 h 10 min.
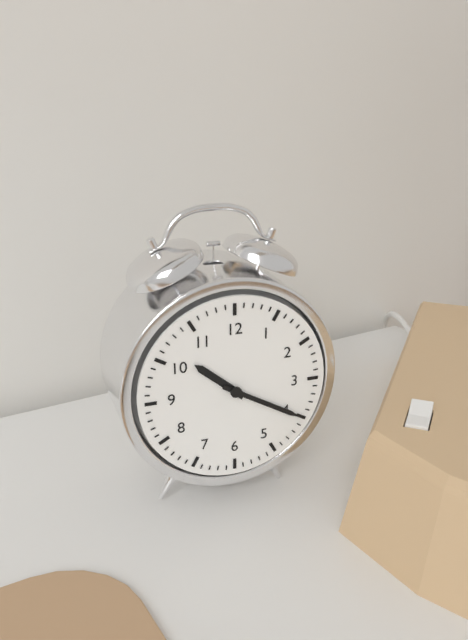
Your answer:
10 h 20 min
